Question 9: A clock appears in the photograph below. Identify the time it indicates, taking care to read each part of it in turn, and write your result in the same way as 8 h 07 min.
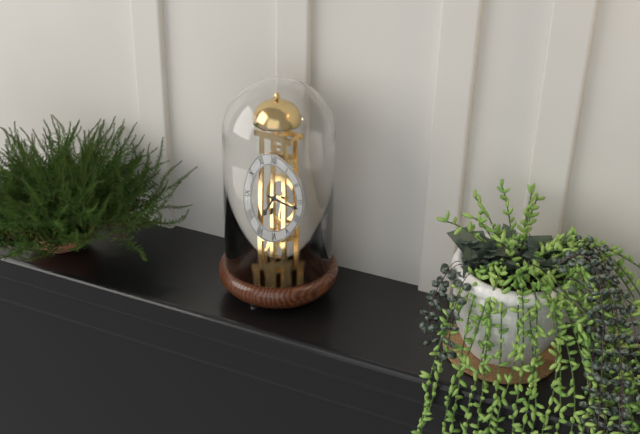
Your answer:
7 h 17 min
